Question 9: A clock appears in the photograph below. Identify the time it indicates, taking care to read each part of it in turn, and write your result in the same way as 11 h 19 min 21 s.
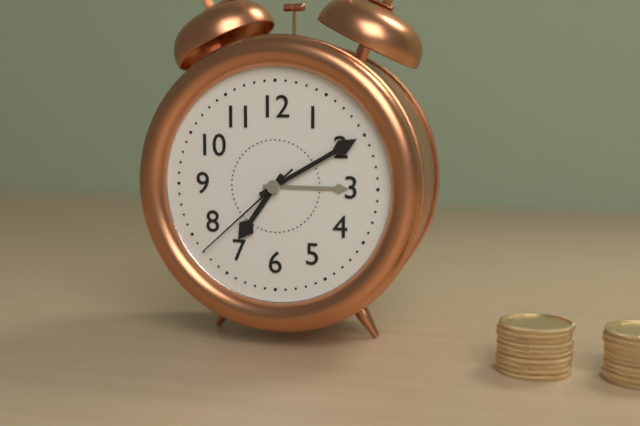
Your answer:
7 h 10 min 38 s
